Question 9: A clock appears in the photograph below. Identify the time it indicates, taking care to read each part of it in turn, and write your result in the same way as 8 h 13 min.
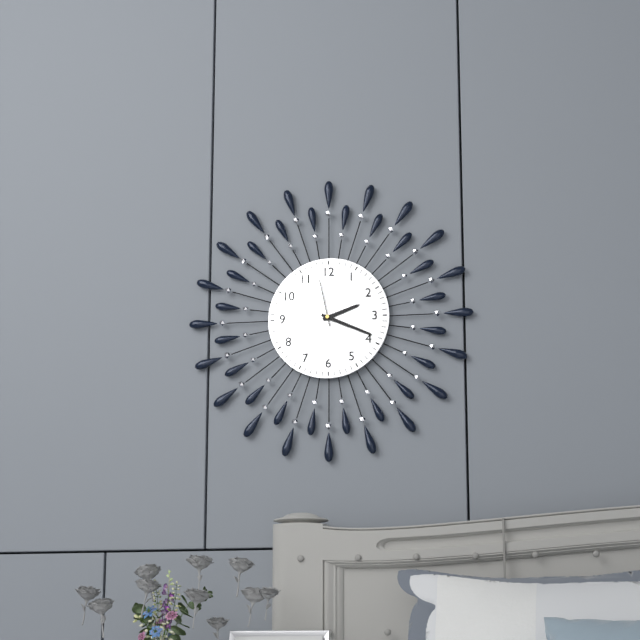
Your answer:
2 h 19 min
